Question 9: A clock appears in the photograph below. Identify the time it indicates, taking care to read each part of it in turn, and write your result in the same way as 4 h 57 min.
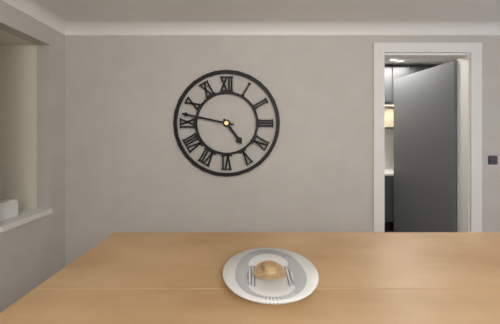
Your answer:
4 h 47 min
